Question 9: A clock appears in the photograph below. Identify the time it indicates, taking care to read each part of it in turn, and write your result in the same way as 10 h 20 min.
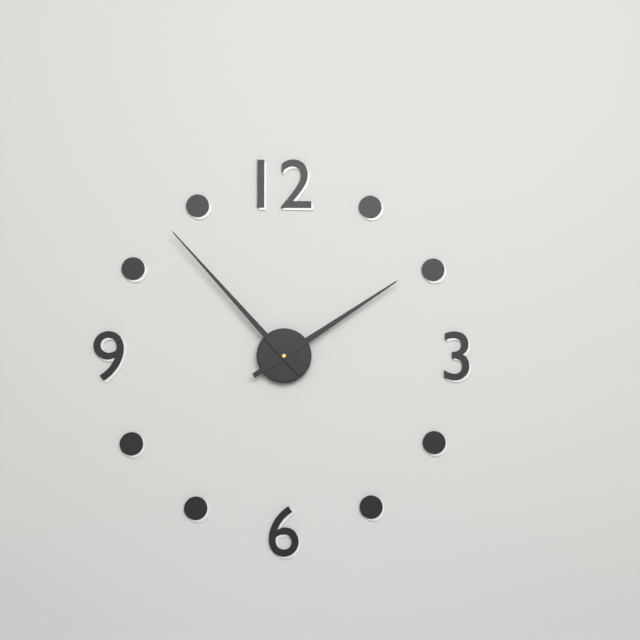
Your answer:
1 h 53 min
